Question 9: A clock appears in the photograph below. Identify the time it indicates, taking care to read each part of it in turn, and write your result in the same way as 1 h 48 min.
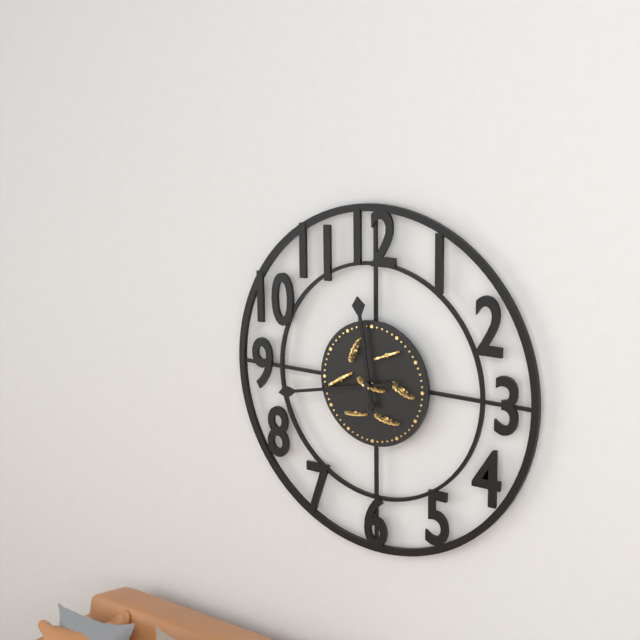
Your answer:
11 h 43 min
